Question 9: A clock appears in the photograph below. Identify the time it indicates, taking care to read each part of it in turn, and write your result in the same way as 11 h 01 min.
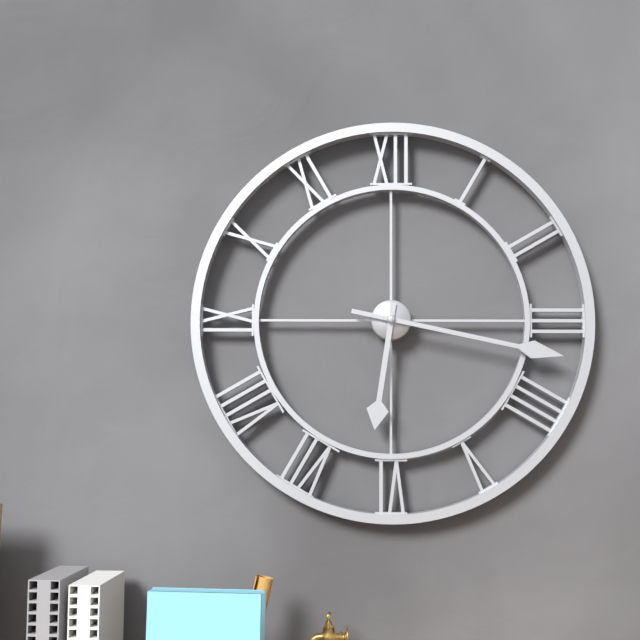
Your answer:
6 h 17 min
